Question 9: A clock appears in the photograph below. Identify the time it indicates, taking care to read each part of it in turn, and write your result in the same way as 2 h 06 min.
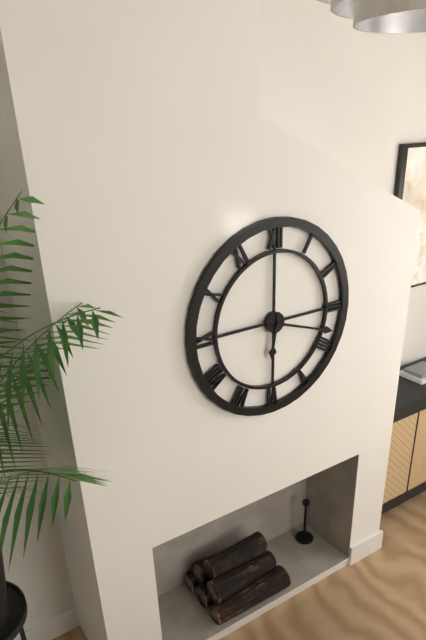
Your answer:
6 h 18 min
